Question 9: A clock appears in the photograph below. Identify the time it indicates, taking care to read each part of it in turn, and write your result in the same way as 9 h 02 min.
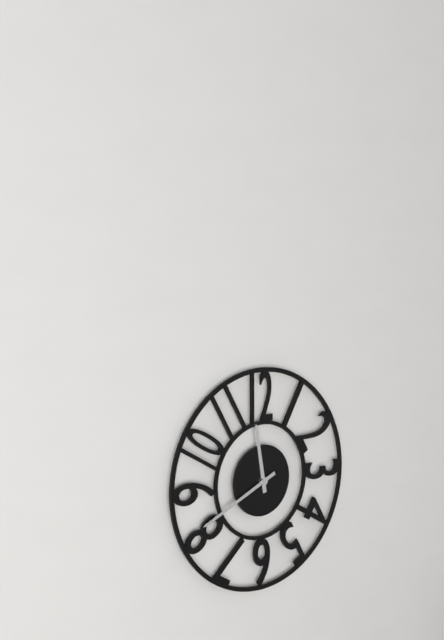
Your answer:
11 h 41 min
